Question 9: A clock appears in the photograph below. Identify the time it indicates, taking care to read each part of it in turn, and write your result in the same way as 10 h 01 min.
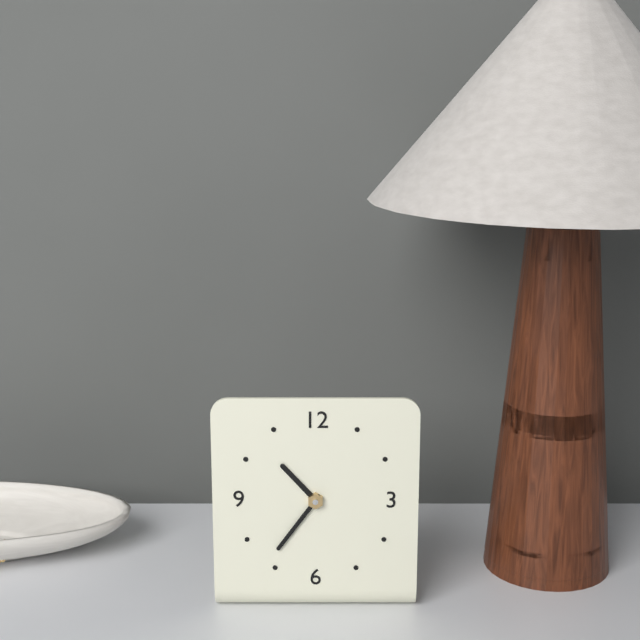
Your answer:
10 h 36 min
